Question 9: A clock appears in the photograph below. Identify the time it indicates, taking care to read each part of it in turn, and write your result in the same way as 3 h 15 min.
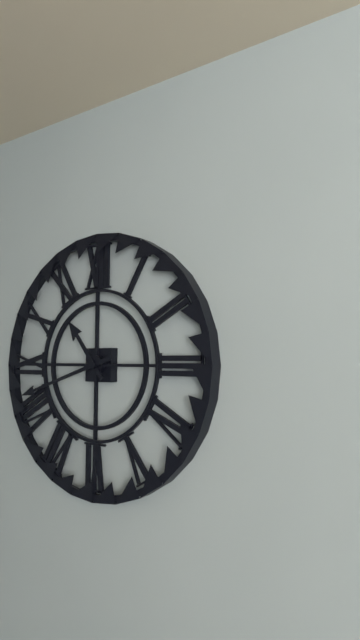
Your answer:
10 h 42 min
